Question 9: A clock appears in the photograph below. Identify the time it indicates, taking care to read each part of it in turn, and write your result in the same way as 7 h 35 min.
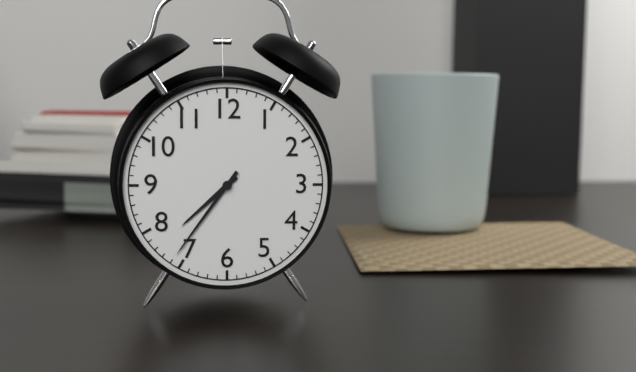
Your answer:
7 h 36 min
